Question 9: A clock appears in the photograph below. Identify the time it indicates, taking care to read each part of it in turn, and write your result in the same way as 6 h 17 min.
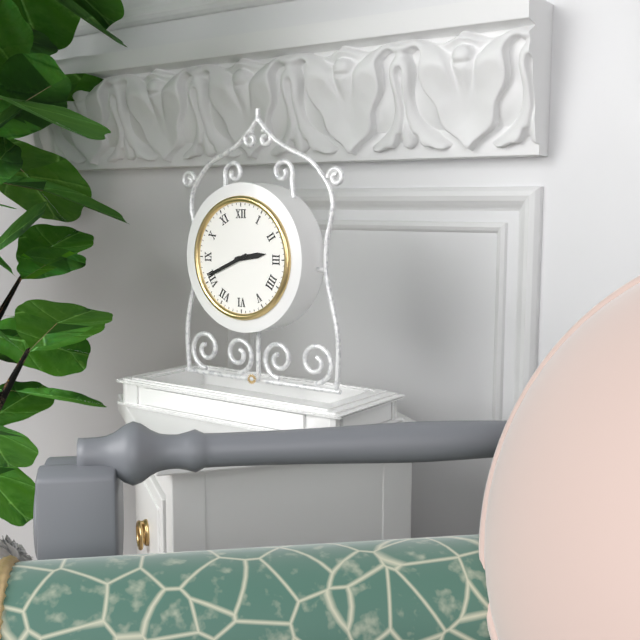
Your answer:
2 h 41 min
